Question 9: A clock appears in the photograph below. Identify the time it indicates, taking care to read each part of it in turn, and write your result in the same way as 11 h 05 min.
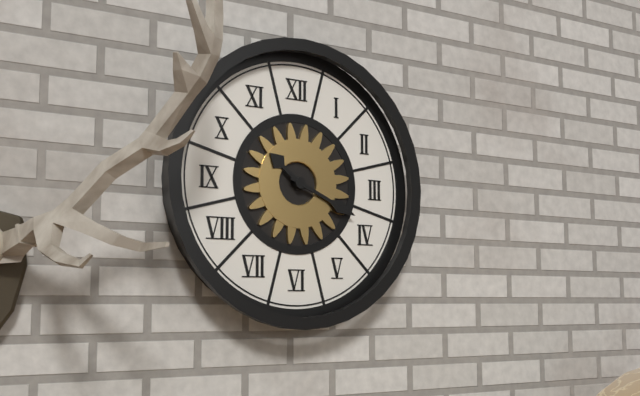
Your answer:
10 h 19 min
